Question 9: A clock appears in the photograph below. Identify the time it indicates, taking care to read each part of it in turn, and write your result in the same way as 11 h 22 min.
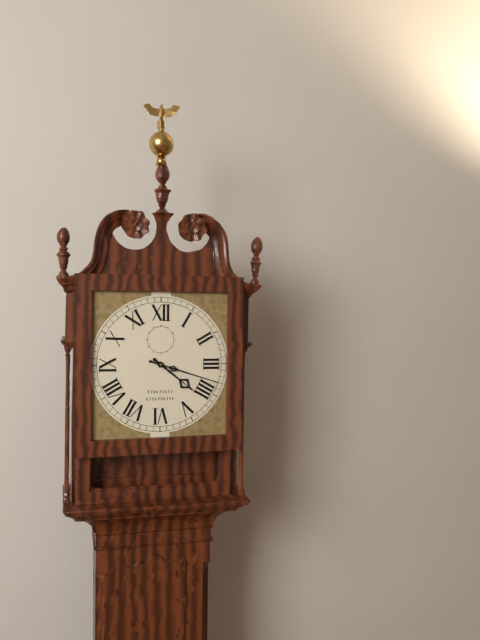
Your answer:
4 h 18 min
